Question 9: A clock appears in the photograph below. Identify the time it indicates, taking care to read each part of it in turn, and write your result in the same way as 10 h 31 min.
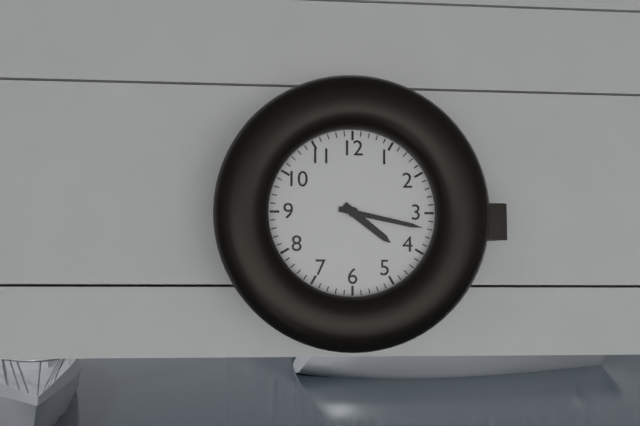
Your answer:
4 h 17 min
